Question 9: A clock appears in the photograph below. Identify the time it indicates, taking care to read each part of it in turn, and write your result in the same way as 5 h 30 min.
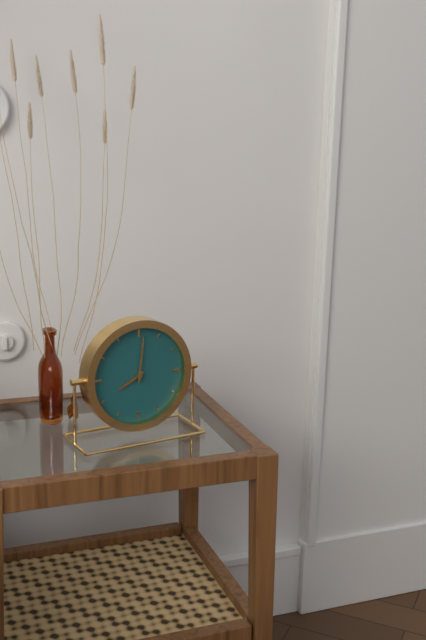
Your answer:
8 h 01 min
